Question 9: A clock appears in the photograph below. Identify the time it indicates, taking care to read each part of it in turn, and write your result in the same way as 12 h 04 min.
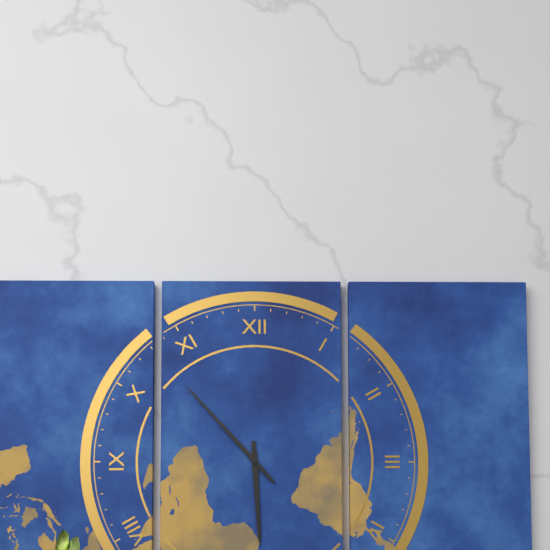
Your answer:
5 h 53 min
